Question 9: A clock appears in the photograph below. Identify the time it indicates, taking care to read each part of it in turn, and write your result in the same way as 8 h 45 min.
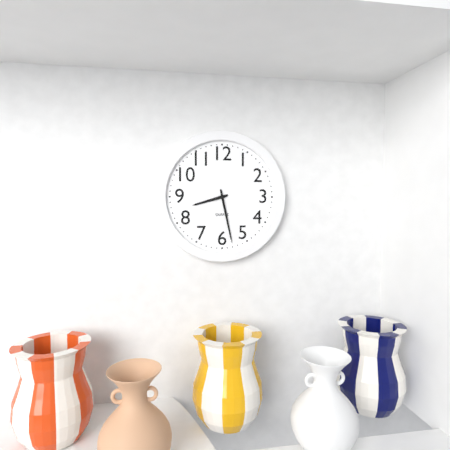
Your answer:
8 h 28 min
